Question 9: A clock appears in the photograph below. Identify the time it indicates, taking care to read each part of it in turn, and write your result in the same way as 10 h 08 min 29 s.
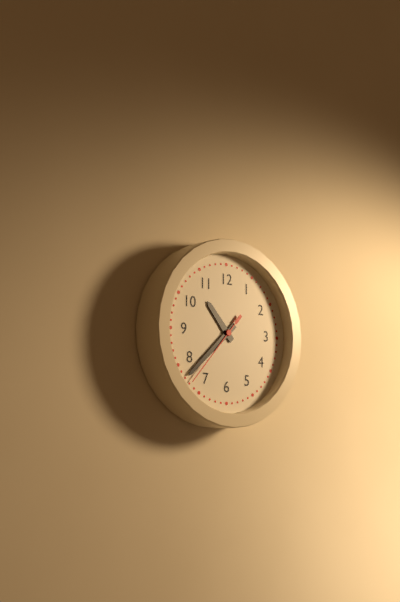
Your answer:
10 h 38 min 37 s
